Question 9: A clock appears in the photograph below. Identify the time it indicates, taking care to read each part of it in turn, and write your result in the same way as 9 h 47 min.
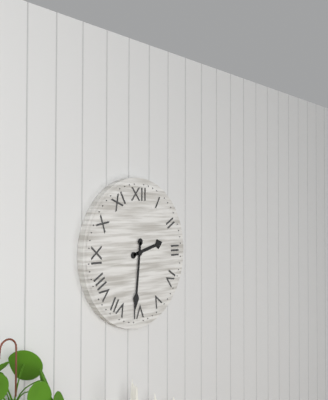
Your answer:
2 h 31 min
